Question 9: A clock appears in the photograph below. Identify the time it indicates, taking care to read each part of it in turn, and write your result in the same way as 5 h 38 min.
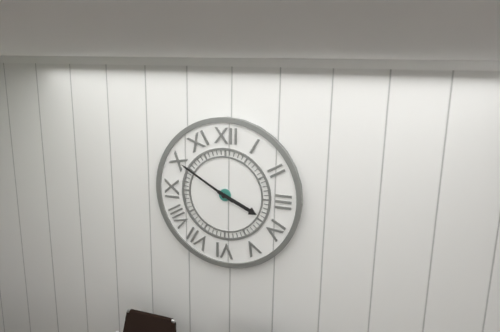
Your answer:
3 h 50 min
